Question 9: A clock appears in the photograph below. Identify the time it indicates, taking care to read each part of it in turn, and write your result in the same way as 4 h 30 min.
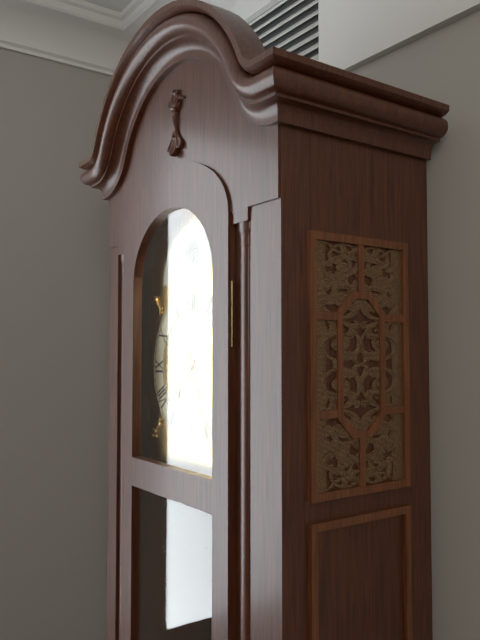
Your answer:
7 h 26 min
